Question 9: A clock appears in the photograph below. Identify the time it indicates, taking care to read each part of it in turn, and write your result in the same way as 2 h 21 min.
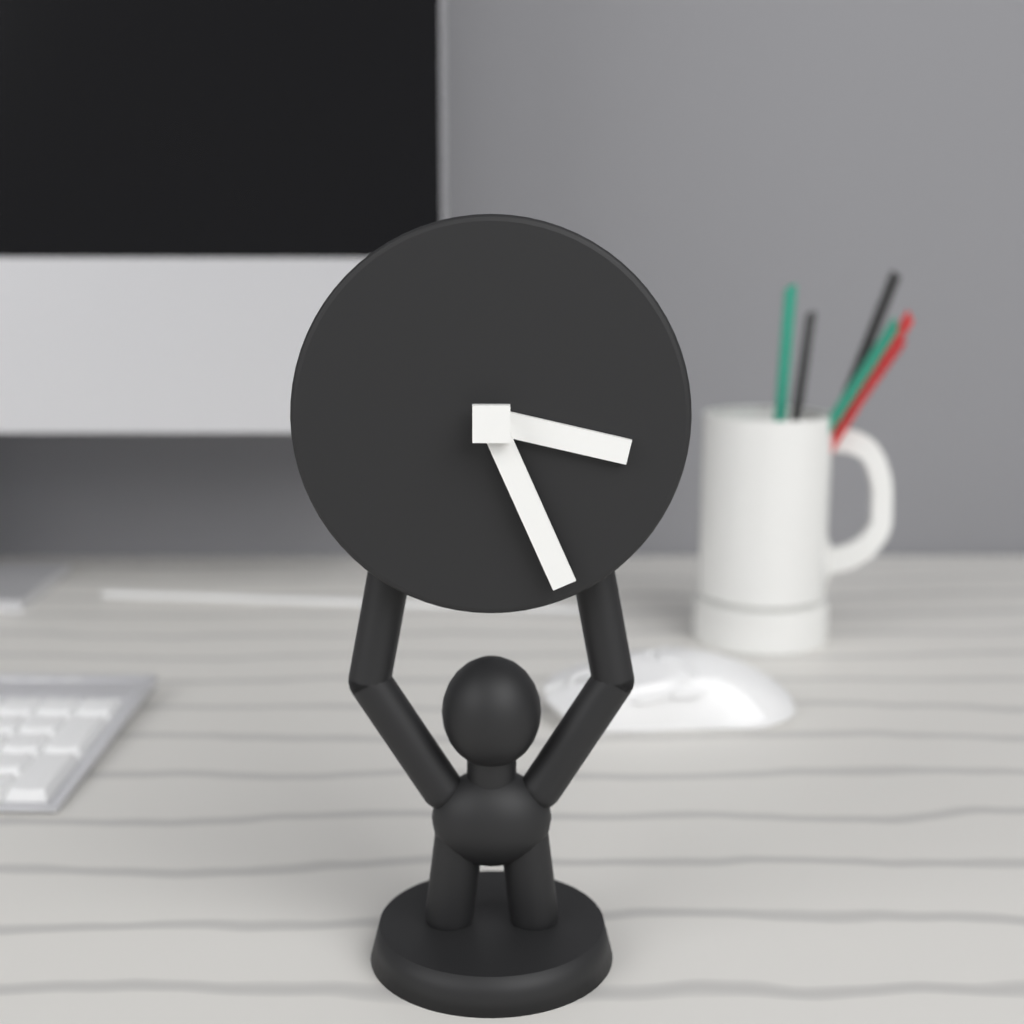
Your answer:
3 h 26 min
